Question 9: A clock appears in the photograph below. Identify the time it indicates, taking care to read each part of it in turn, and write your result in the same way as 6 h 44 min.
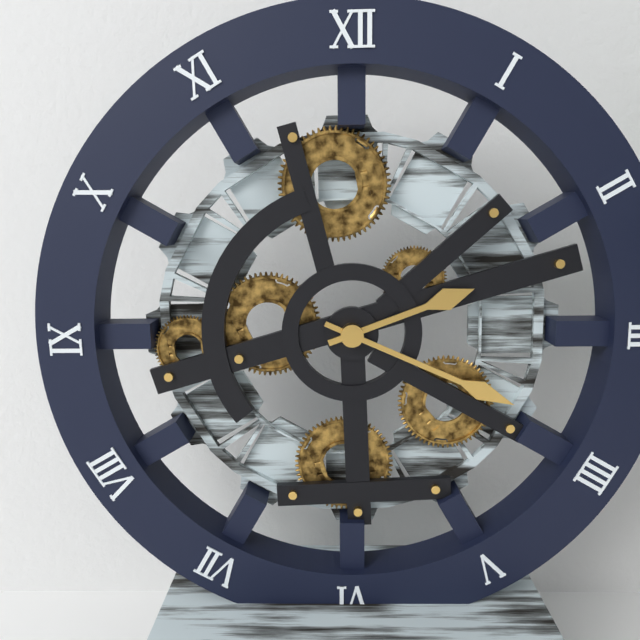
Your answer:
2 h 19 min
